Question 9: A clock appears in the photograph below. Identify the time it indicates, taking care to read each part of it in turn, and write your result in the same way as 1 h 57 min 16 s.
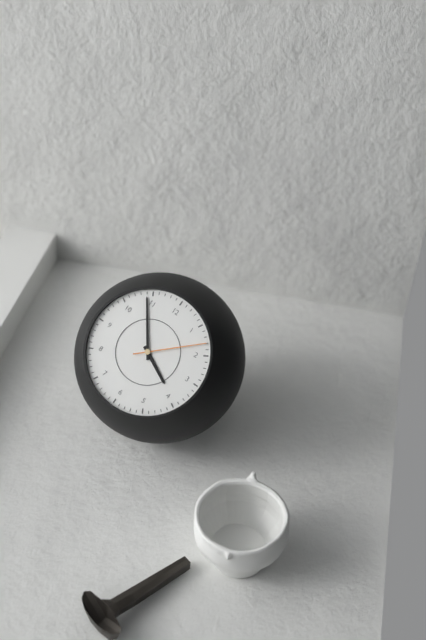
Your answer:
3 h 54 min 08 s
